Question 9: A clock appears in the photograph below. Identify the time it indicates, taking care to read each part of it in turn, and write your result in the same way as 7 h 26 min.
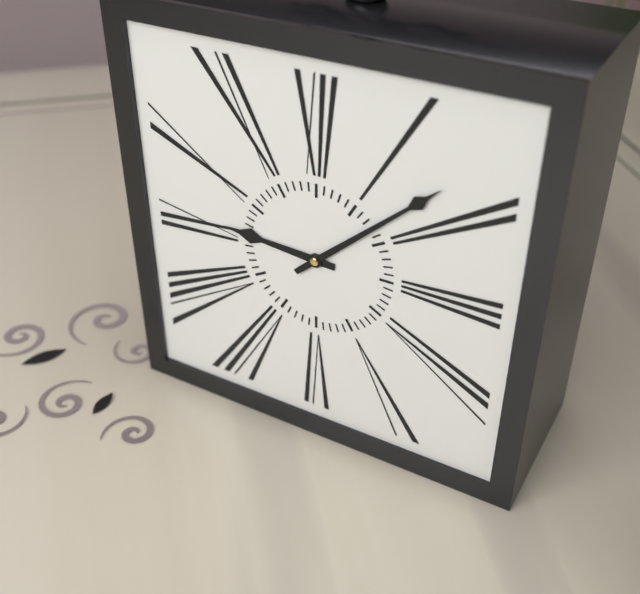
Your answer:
9 h 08 min
